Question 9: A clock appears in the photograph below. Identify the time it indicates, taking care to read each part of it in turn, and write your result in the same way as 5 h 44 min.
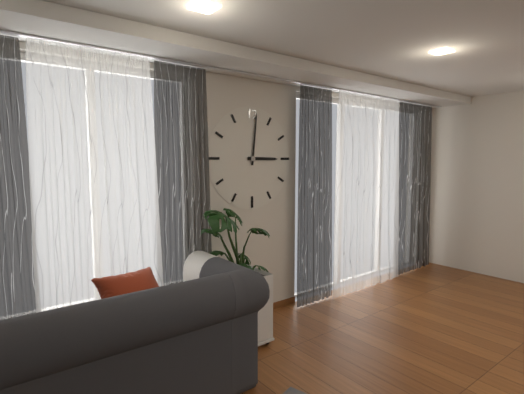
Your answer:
3 h 01 min
